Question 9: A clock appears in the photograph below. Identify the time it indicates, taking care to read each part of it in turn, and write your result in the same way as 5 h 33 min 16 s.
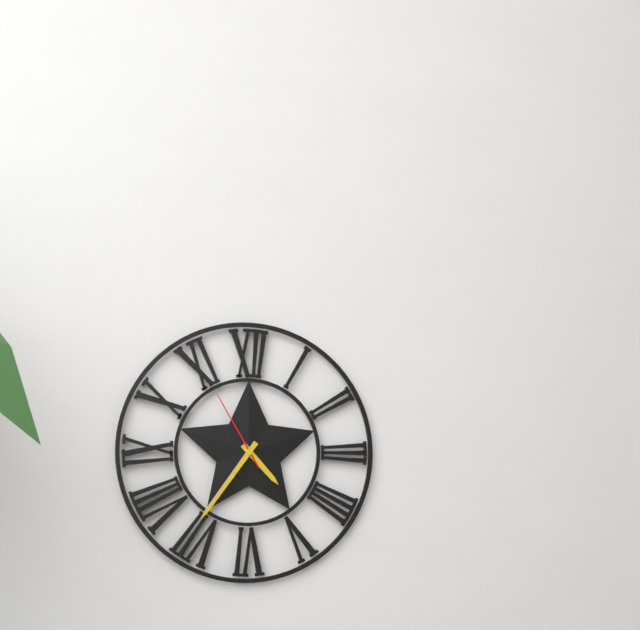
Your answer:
4 h 36 min 55 s
